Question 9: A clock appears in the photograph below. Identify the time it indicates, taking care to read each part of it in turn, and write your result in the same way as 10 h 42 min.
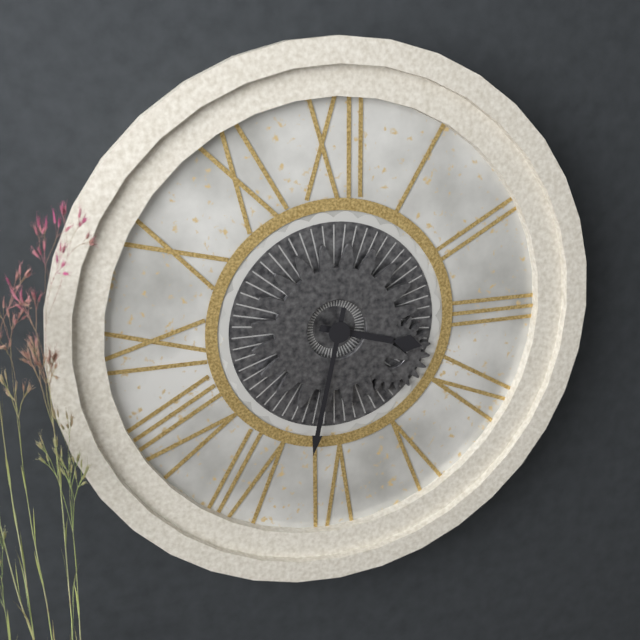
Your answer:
3 h 32 min
